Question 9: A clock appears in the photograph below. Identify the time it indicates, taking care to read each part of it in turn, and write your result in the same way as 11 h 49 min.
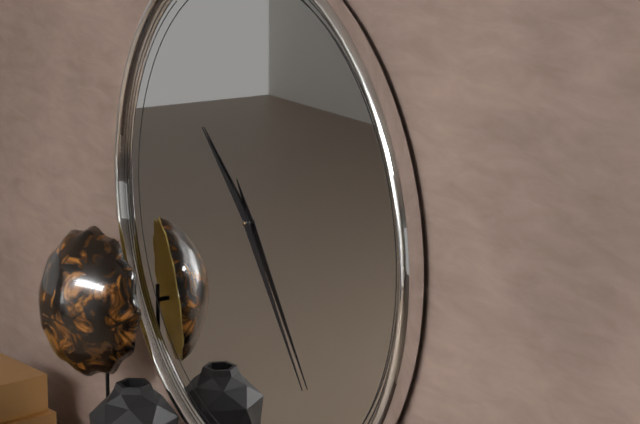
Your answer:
10 h 24 min
